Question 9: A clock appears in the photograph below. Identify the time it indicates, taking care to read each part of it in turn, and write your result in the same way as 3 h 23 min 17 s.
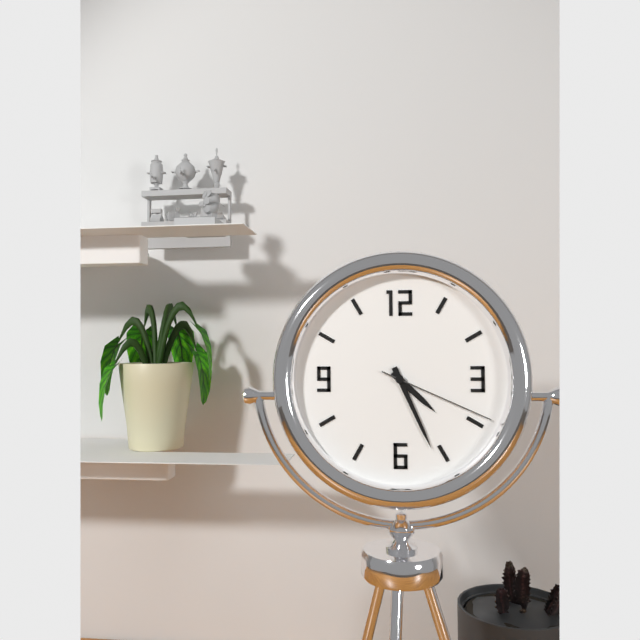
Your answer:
4 h 26 min 19 s
